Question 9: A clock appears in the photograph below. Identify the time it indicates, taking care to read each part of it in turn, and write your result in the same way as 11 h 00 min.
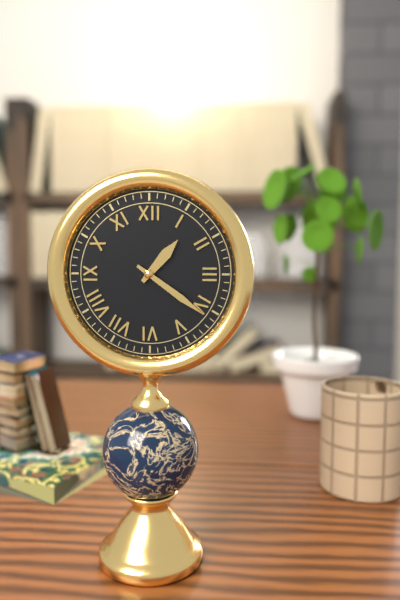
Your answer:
1 h 21 min
